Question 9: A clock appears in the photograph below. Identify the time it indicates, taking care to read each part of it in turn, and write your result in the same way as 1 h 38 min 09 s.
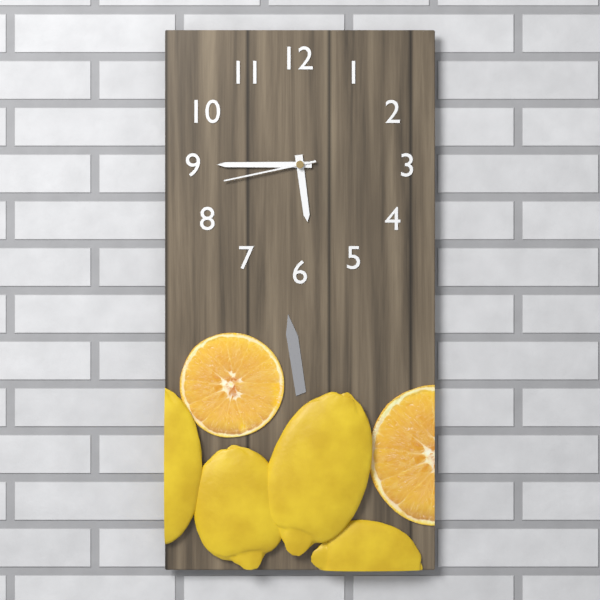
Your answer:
5 h 45 min 43 s
